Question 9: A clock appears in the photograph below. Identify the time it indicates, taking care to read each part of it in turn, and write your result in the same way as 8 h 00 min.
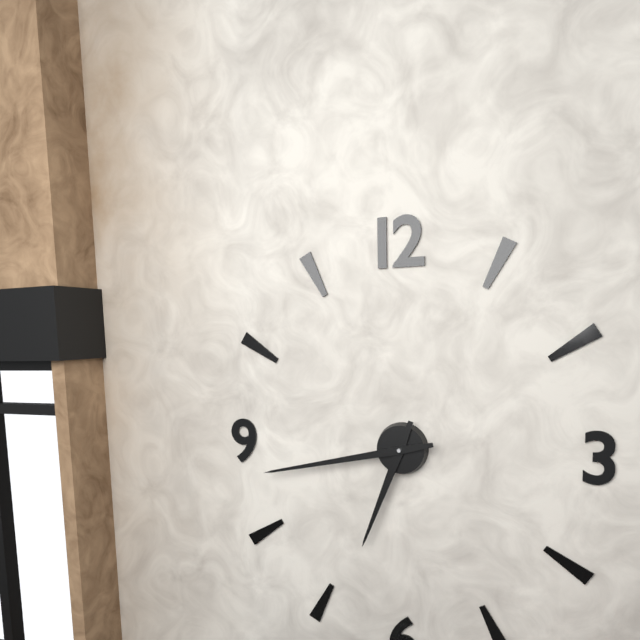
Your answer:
6 h 43 min
